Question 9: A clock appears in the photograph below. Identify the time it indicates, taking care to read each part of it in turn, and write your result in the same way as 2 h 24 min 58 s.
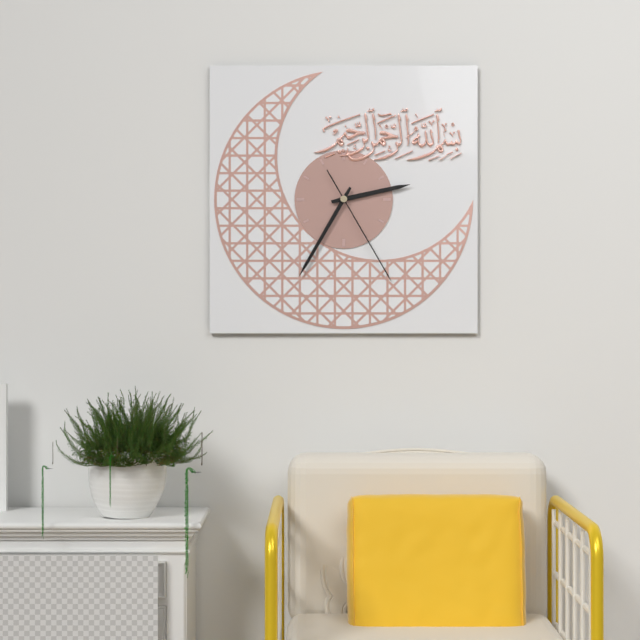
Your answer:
2 h 35 min 25 s
